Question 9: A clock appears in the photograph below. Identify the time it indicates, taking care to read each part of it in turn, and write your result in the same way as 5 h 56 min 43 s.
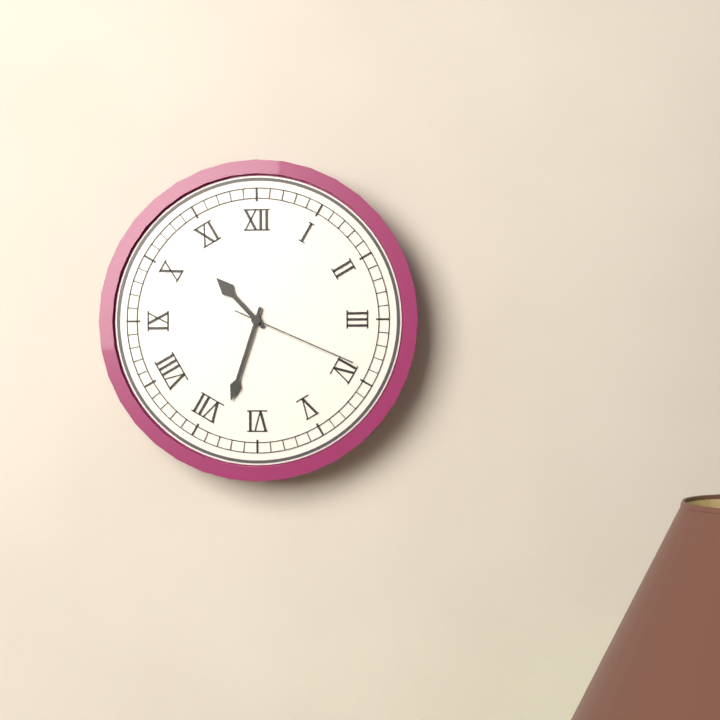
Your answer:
10 h 33 min 19 s
